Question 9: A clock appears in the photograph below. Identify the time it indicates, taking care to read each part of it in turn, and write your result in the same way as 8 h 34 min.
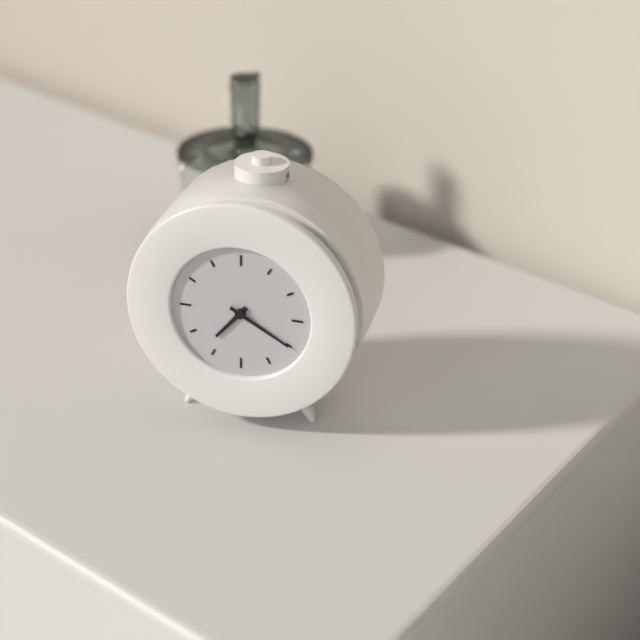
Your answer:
7 h 20 min
